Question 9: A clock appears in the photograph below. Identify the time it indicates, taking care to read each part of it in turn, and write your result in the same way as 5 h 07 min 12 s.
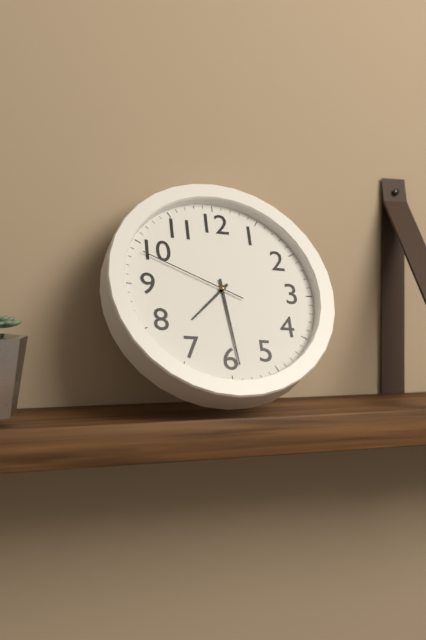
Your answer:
7 h 29 min 49 s
